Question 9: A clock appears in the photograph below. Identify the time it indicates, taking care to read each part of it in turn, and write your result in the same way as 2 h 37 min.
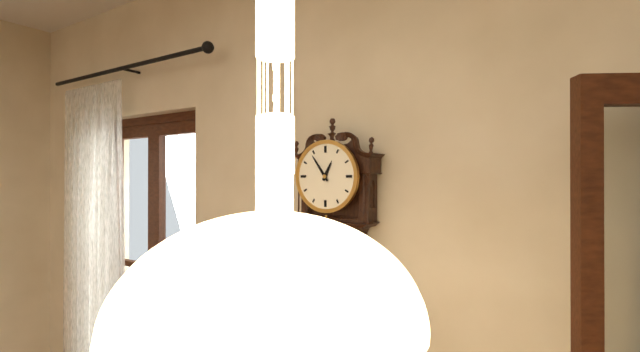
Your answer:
12 h 54 min
